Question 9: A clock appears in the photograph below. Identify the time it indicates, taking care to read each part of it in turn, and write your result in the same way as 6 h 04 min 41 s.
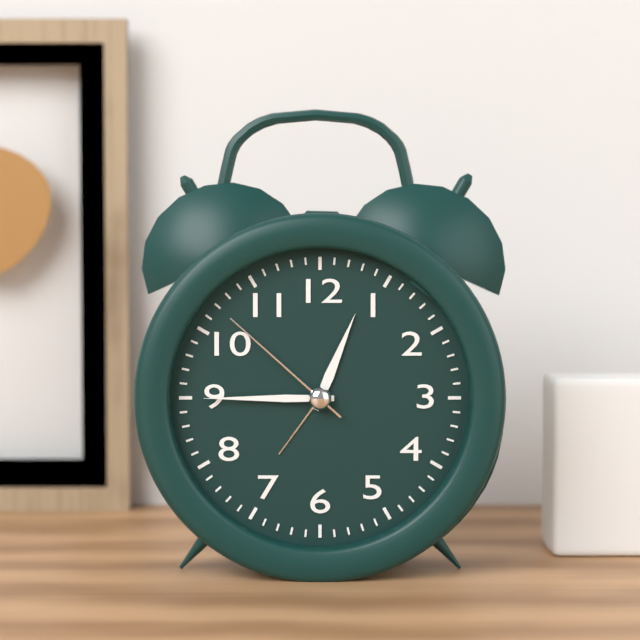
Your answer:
12 h 45 min 52 s
